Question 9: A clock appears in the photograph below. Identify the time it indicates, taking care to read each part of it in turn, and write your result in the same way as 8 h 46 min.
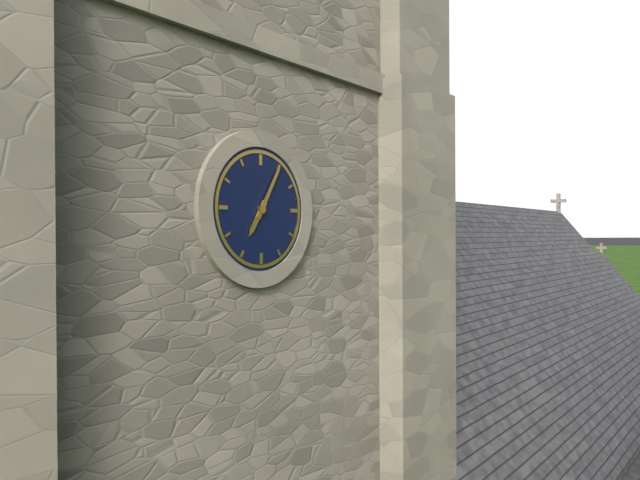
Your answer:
7 h 05 min
